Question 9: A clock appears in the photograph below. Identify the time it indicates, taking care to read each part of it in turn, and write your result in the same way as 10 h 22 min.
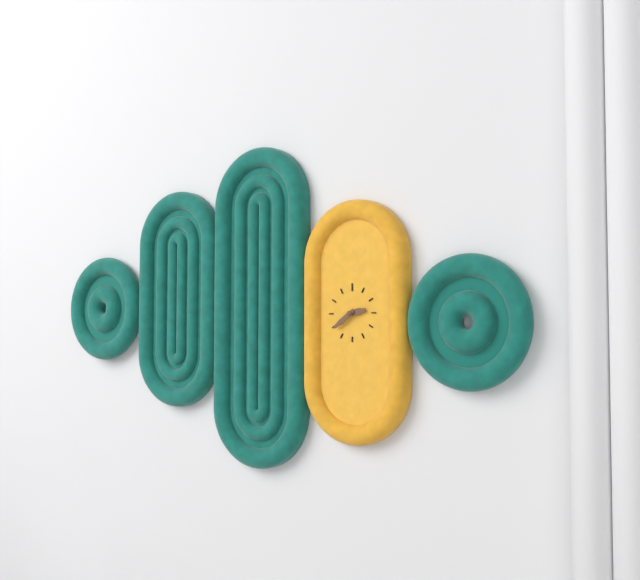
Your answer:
2 h 39 min
